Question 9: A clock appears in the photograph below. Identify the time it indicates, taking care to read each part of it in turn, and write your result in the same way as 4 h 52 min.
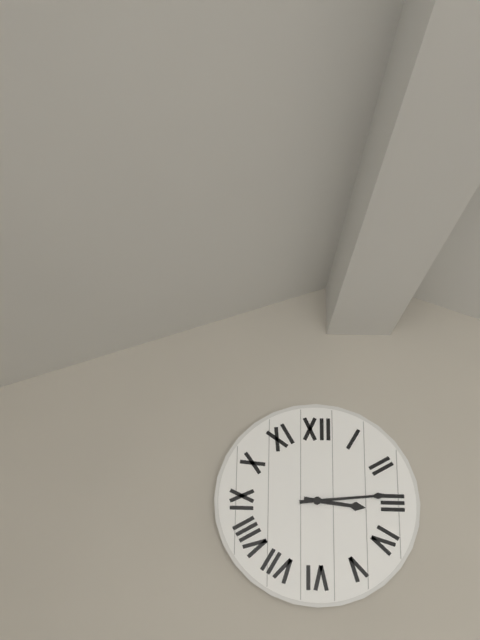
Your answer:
3 h 14 min
